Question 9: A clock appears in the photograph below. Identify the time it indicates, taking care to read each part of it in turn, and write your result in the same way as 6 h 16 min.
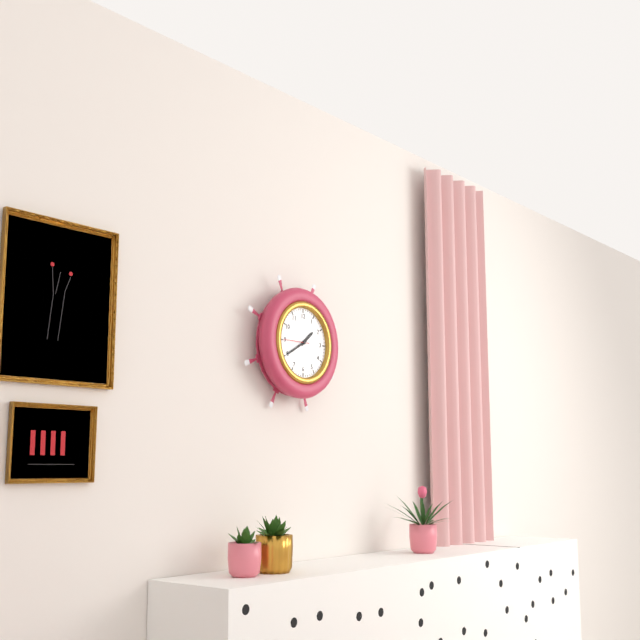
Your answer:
1 h 40 min
